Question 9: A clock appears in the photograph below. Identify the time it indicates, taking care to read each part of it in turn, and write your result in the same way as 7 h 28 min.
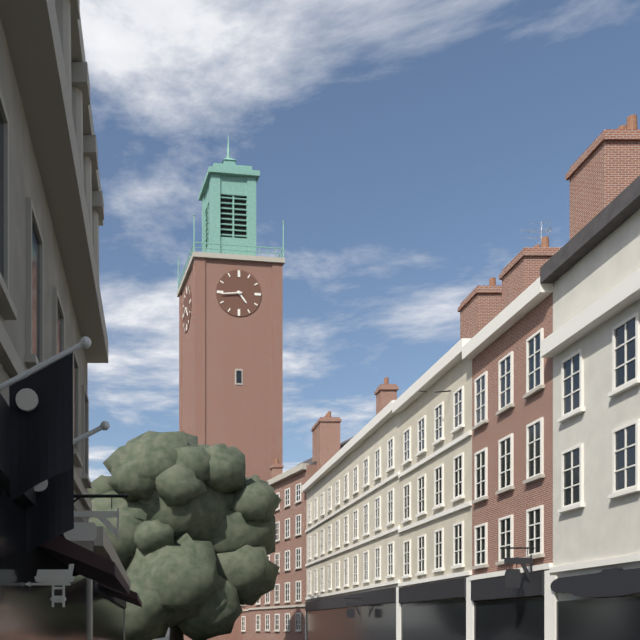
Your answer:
4 h 44 min
